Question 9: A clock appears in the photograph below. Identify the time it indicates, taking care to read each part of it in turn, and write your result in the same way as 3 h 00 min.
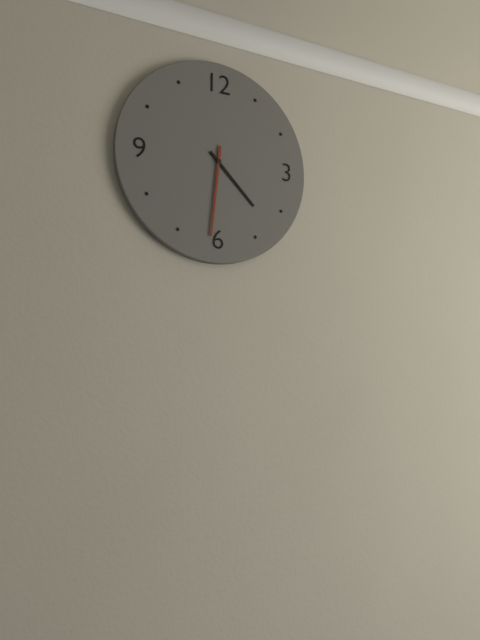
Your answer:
4 h 31 min
